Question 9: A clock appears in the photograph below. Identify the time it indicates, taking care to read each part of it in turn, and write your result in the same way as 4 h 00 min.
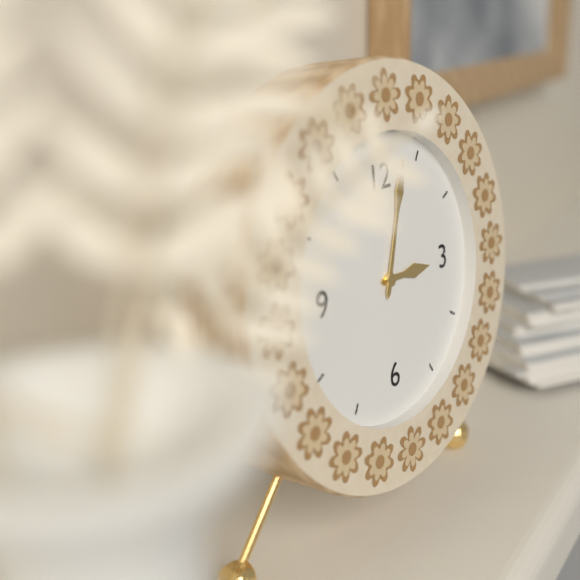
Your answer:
3 h 03 min
